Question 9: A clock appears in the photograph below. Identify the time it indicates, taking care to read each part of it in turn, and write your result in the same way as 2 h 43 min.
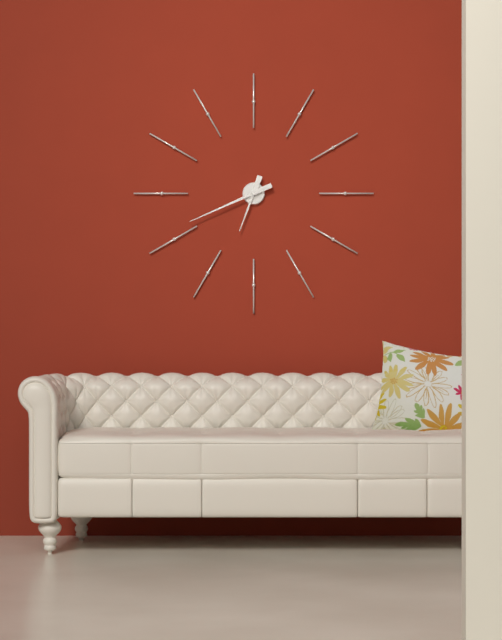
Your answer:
6 h 41 min
